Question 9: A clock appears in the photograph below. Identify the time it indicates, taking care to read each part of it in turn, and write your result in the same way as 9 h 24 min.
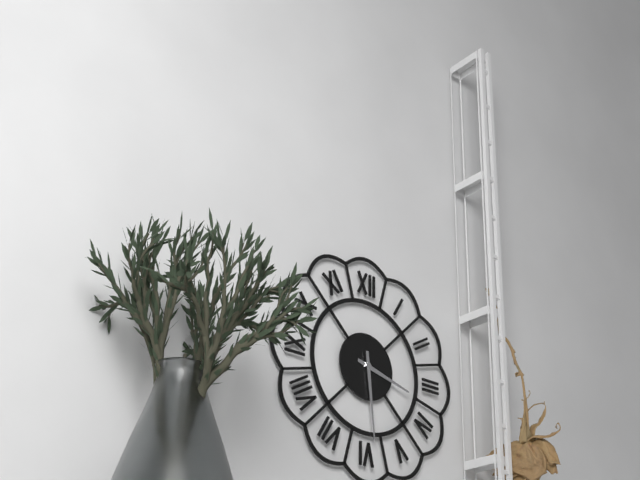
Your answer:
3 h 29 min
